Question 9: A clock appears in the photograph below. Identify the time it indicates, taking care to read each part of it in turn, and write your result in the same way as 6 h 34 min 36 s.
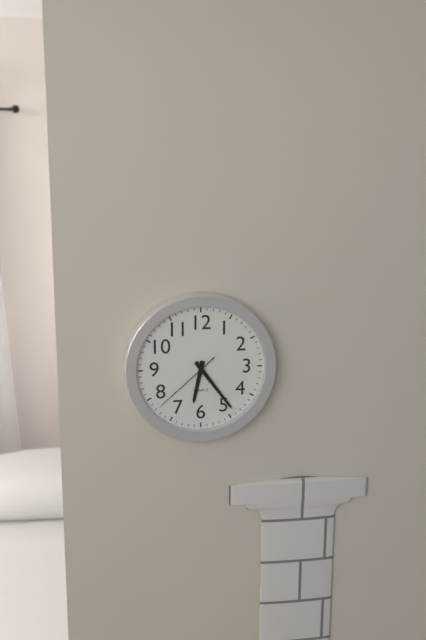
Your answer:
6 h 24 min 38 s
